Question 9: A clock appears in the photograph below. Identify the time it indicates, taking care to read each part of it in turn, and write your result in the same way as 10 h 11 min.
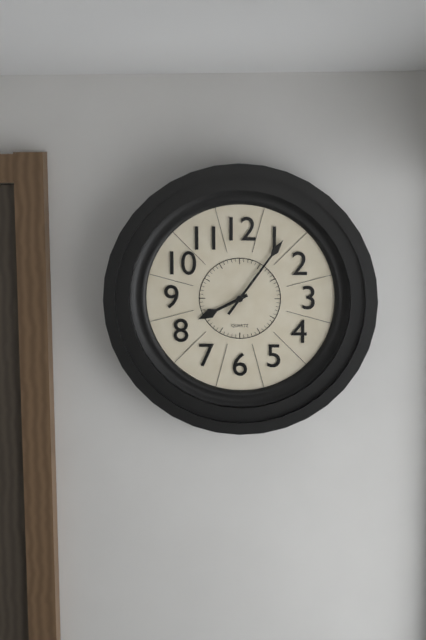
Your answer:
8 h 06 min
